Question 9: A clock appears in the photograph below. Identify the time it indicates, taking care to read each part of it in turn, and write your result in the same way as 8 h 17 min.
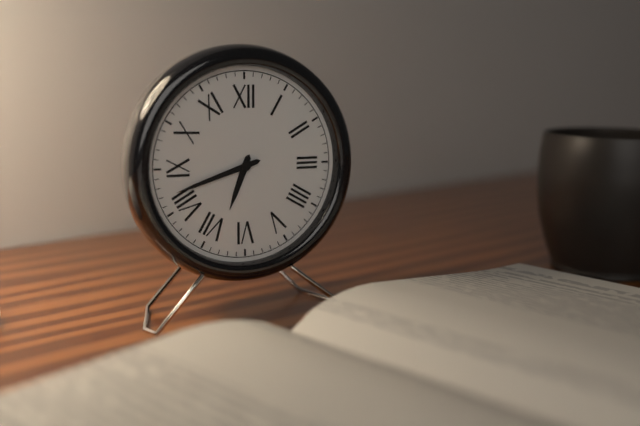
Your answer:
6 h 42 min
